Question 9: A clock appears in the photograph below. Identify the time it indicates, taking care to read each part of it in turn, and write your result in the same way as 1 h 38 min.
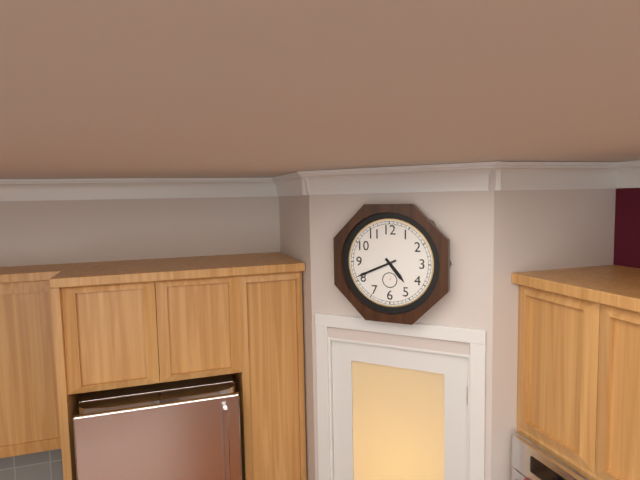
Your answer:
4 h 41 min
